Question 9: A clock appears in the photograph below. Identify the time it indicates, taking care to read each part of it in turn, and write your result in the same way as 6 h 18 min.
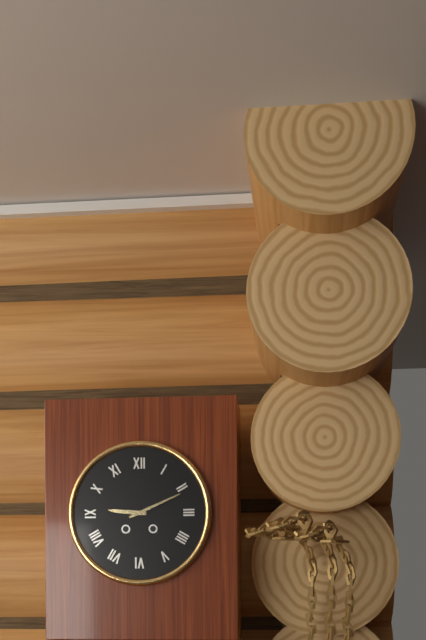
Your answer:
9 h 11 min
